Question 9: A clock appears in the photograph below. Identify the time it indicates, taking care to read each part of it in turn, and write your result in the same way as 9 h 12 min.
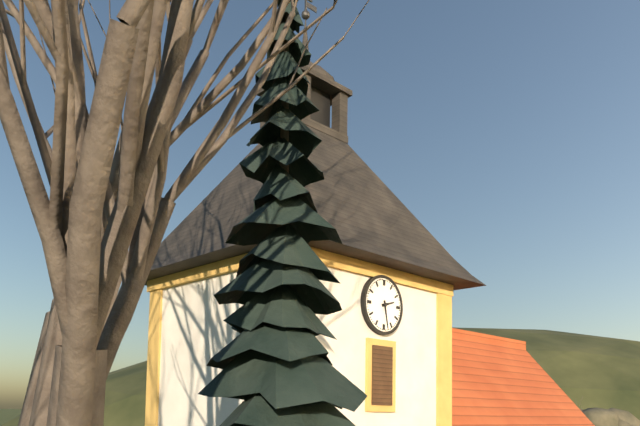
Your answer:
2 h 28 min
